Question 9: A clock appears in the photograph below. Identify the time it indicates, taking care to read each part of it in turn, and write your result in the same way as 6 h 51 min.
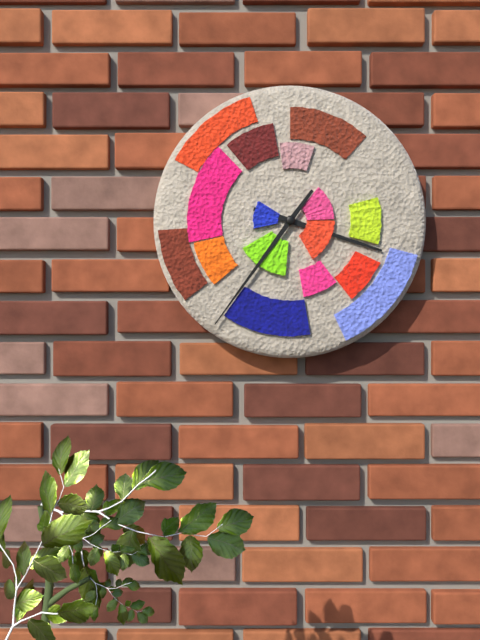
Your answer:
3 h 36 min
